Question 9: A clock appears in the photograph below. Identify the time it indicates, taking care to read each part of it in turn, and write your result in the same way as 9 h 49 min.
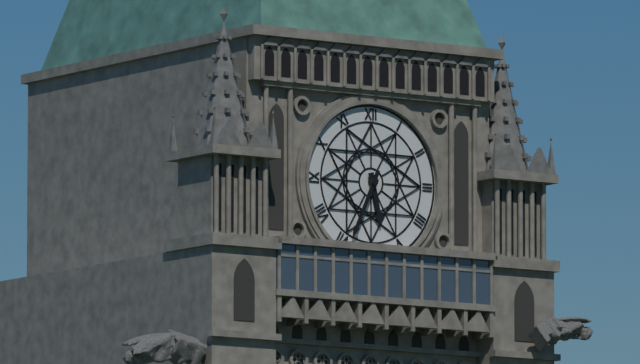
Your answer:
5 h 34 min
